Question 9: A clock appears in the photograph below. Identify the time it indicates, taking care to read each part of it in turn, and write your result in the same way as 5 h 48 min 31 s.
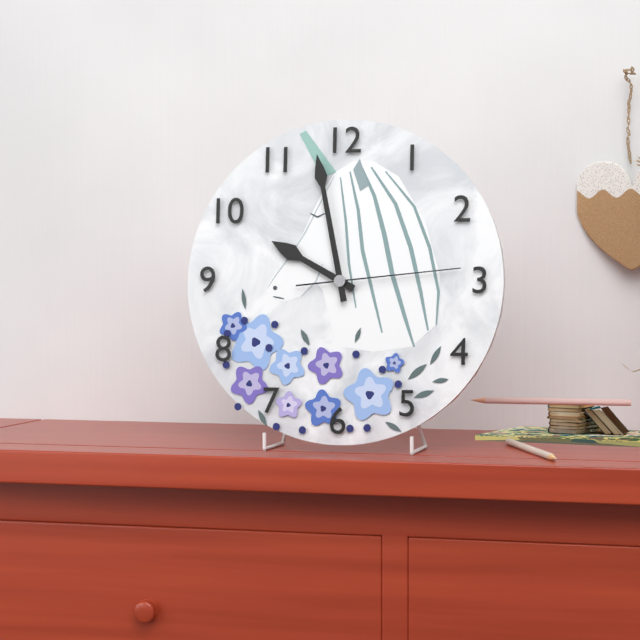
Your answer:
9 h 58 min 14 s
